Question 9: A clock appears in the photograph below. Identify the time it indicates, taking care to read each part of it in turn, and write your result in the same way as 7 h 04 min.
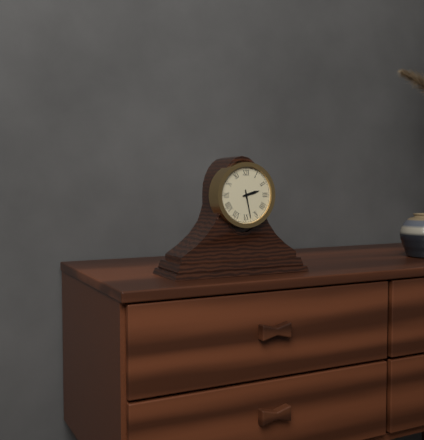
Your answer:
2 h 28 min
